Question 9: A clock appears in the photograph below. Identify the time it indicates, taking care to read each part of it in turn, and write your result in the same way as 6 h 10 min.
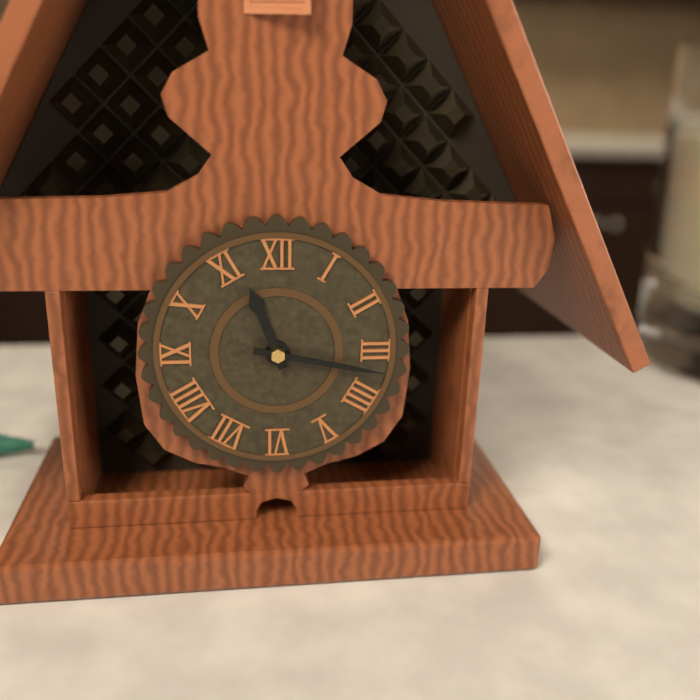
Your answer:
11 h 17 min
